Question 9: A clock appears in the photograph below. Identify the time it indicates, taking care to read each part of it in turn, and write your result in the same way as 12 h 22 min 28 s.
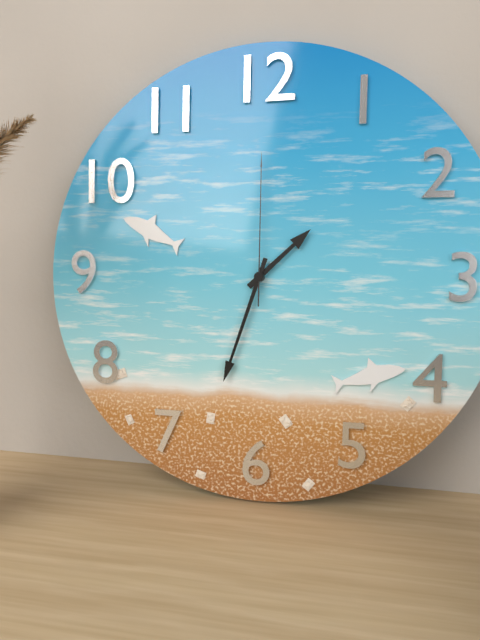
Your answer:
1 h 33 min 00 s
